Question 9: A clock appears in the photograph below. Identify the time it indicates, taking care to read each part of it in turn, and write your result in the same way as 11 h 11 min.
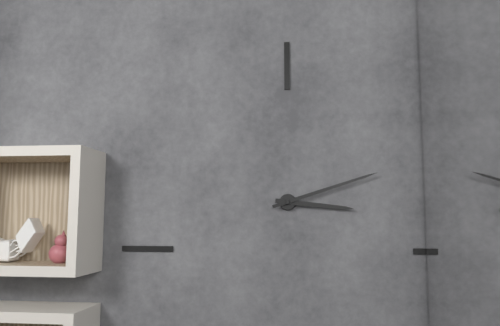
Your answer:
3 h 12 min
